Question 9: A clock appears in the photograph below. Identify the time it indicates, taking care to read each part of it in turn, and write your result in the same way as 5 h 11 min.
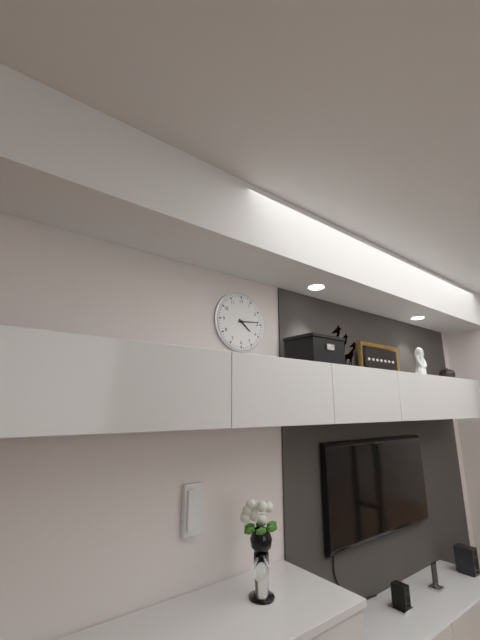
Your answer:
4 h 14 min
